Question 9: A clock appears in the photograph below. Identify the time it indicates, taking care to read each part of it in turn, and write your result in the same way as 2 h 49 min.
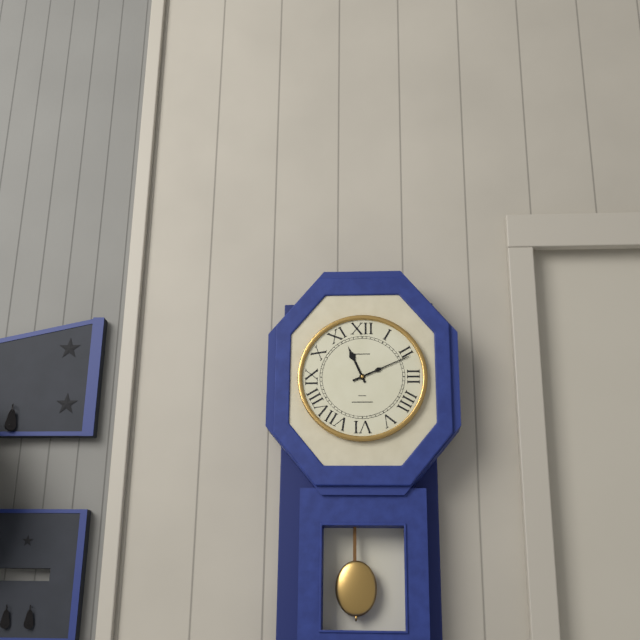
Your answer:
11 h 11 min
